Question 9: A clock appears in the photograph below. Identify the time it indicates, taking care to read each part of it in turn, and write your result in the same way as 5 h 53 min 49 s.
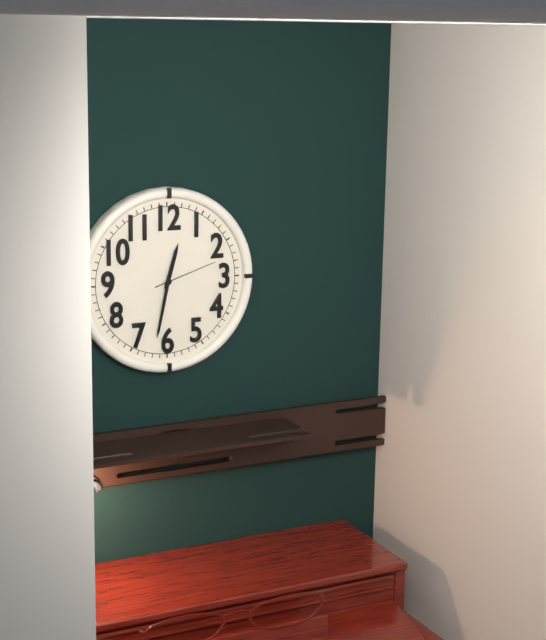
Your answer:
12 h 32 min 12 s
